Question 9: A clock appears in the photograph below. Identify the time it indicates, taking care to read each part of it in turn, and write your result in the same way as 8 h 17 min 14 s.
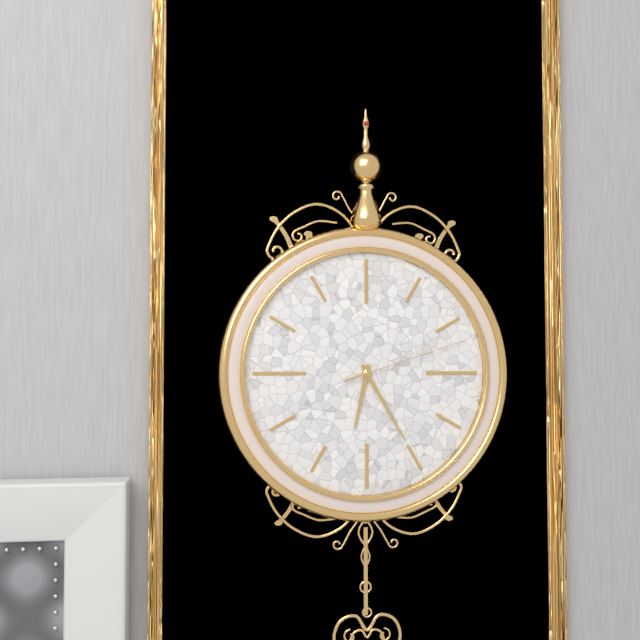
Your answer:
6 h 25 min 12 s
